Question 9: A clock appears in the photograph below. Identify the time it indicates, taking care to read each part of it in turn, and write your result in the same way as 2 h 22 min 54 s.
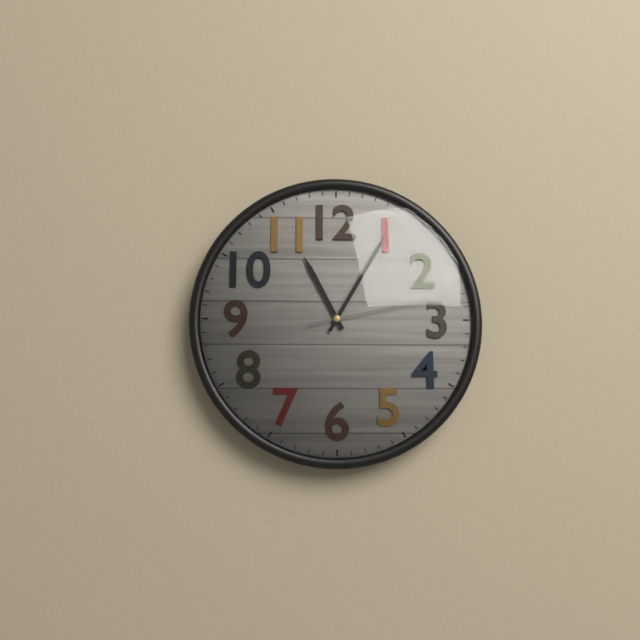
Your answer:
11 h 05 min 13 s
